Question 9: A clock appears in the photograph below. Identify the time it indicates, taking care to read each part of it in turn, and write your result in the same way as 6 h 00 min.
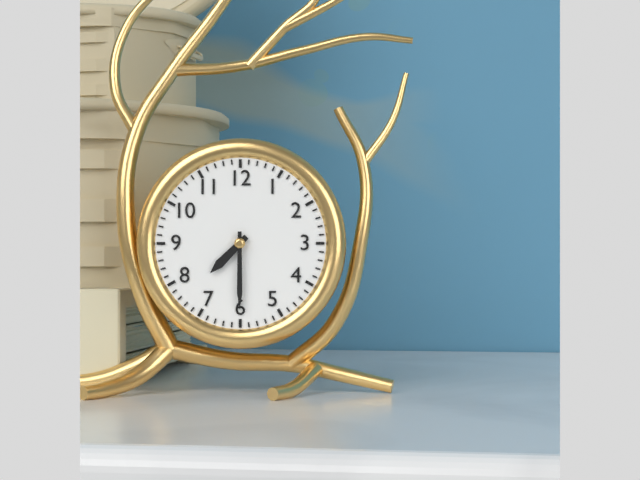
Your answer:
7 h 30 min
